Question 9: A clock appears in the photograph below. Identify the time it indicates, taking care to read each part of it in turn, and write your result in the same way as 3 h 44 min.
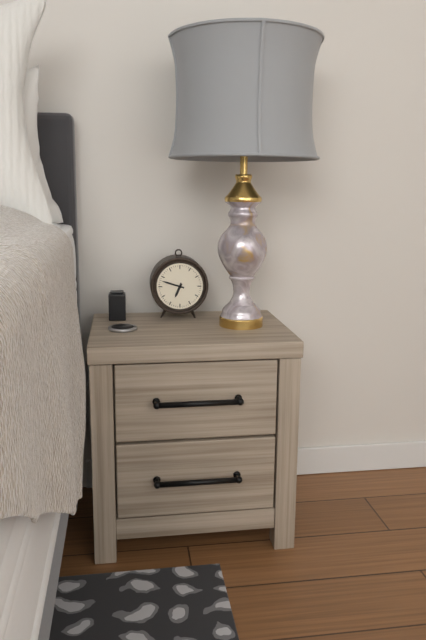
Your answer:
6 h 48 min
